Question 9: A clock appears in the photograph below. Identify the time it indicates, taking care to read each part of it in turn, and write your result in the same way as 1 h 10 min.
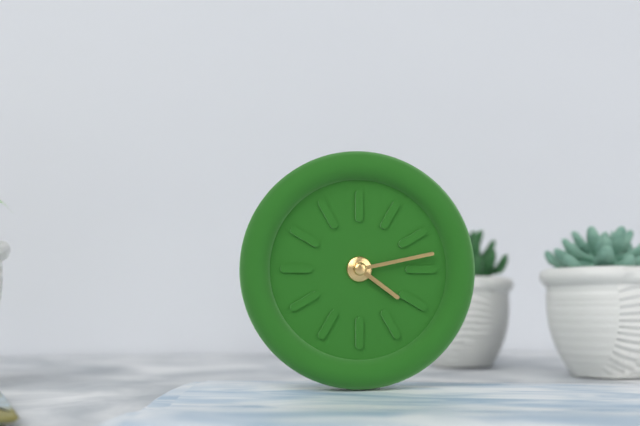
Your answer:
4 h 13 min
